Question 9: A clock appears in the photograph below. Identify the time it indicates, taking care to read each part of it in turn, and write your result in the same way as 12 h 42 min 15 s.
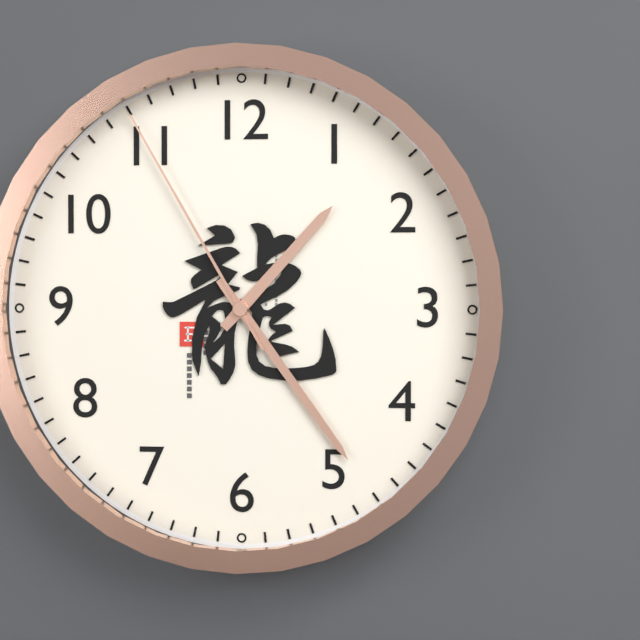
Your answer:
1 h 24 min 55 s
